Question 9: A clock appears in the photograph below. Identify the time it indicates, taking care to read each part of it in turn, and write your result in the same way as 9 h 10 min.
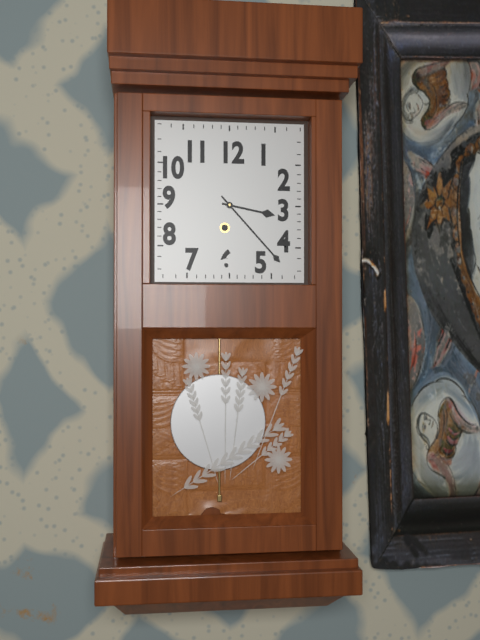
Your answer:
3 h 23 min
